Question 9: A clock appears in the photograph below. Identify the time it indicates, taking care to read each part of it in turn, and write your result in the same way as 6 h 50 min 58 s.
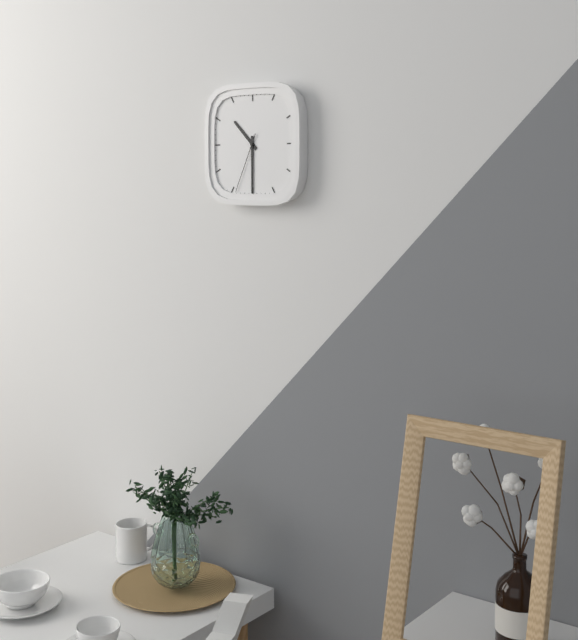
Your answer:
10 h 30 min 34 s
